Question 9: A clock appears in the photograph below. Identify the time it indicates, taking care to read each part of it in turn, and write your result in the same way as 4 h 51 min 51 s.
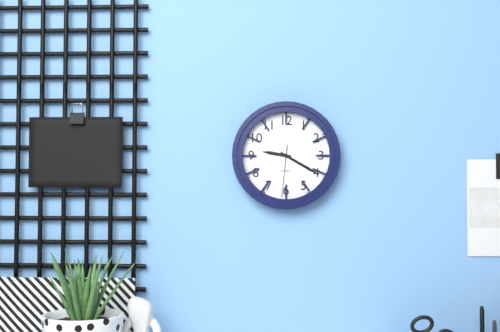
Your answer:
9 h 20 min 31 s
